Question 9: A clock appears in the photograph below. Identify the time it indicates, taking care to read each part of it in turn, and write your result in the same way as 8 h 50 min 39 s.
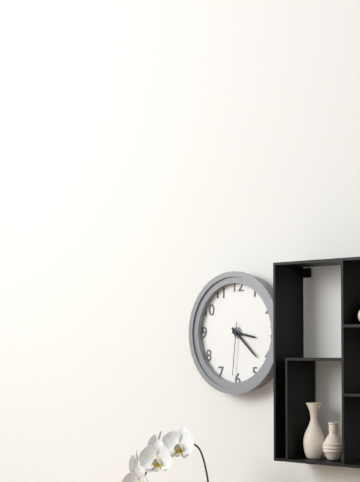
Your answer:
3 h 22 min 31 s
